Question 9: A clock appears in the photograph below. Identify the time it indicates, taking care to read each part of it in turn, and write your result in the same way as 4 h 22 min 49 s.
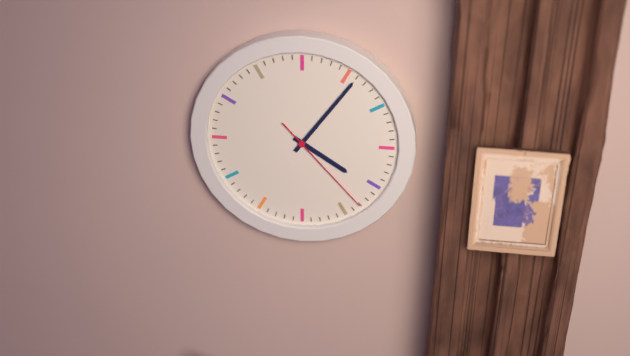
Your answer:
4 h 06 min 23 s
